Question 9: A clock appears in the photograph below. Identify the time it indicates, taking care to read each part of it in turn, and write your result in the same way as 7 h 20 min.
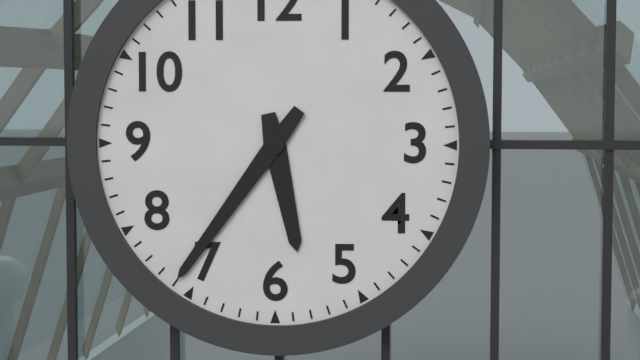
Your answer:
5 h 36 min
